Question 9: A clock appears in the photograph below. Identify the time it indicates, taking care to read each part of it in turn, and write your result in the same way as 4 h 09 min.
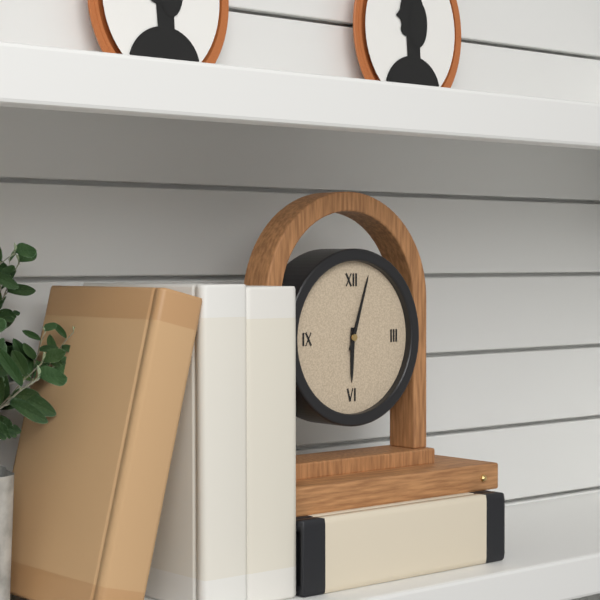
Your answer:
6 h 03 min
